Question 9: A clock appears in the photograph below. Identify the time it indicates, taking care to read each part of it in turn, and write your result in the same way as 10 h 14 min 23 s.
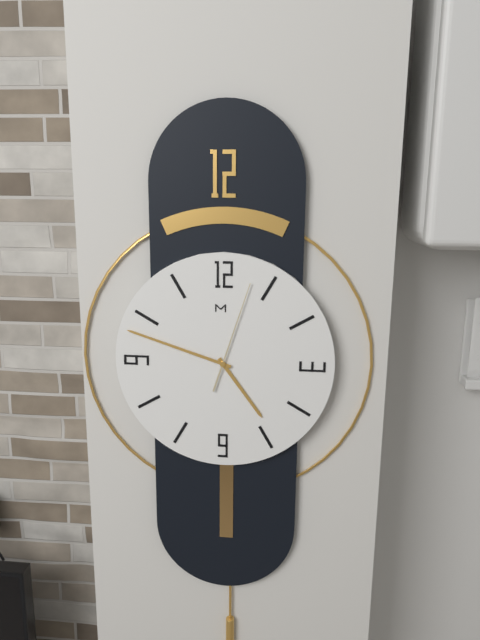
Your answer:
4 h 48 min 03 s
